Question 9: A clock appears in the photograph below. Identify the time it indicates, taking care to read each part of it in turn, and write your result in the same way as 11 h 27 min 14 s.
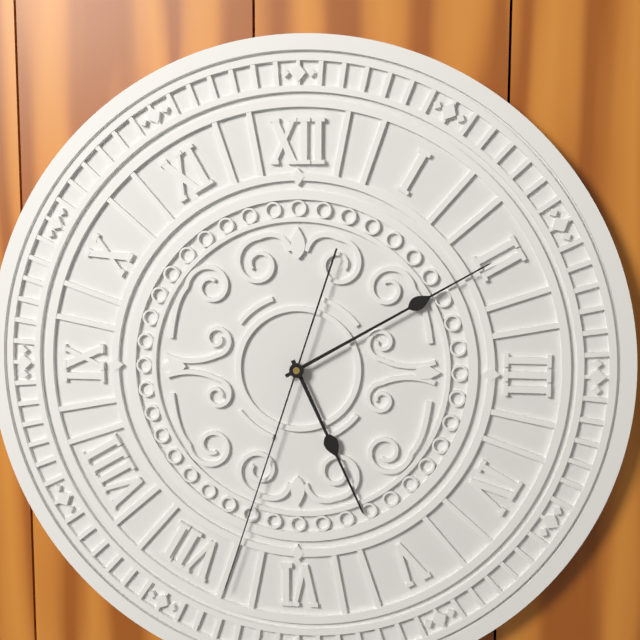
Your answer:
5 h 10 min 33 s
